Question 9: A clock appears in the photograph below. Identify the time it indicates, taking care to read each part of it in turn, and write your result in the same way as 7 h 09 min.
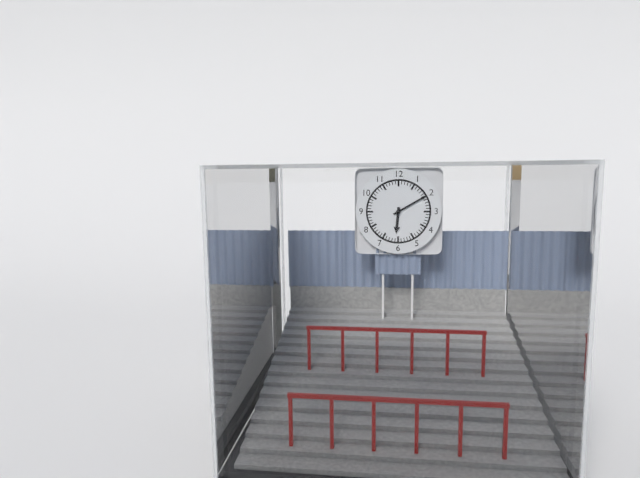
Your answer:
6 h 10 min
